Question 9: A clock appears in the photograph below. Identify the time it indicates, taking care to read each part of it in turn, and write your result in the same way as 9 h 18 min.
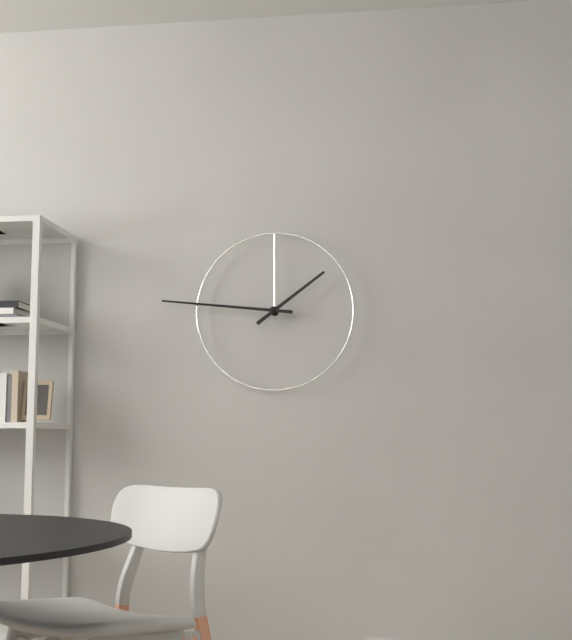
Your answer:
1 h 46 min
